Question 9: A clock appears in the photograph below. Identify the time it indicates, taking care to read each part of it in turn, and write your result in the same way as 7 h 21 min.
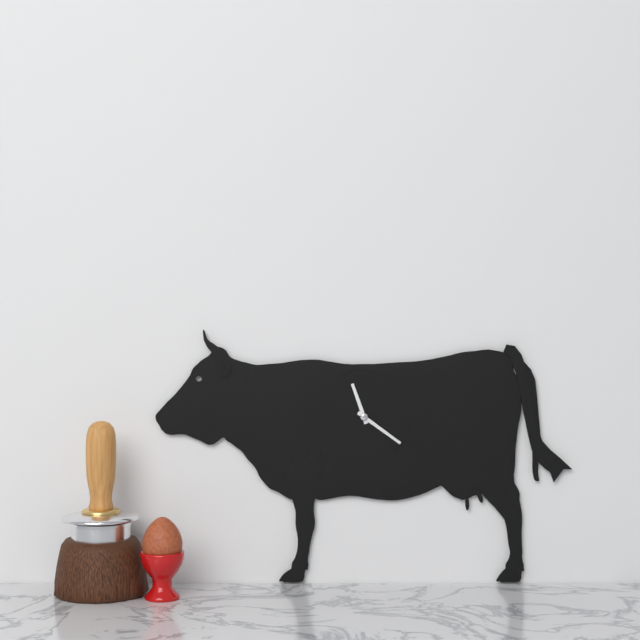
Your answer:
11 h 21 min
